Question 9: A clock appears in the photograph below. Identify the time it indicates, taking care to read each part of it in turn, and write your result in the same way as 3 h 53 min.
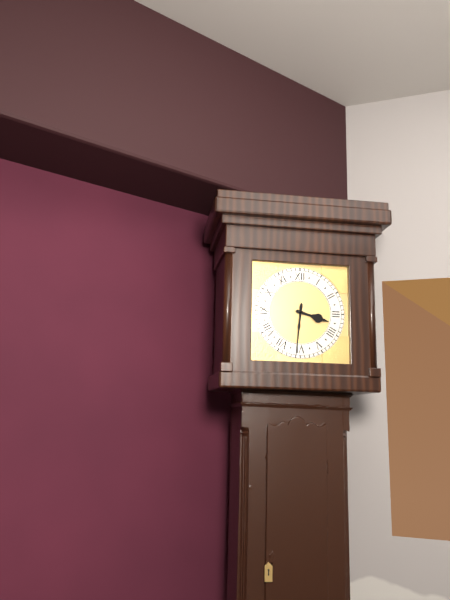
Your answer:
3 h 31 min
